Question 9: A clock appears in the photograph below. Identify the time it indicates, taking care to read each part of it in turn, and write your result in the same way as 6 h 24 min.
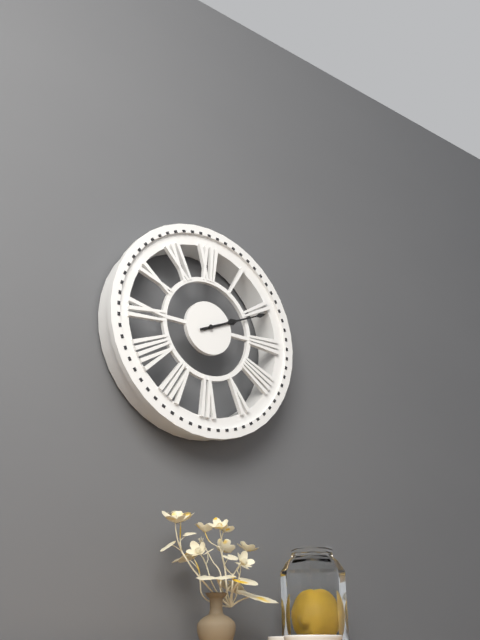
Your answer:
2 h 11 min
